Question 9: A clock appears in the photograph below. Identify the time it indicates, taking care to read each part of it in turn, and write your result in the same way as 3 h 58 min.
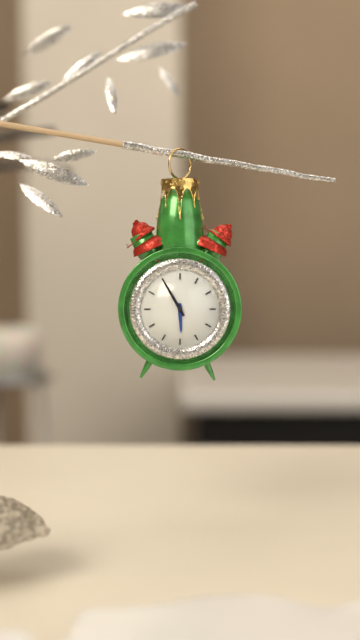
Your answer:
5 h 55 min
